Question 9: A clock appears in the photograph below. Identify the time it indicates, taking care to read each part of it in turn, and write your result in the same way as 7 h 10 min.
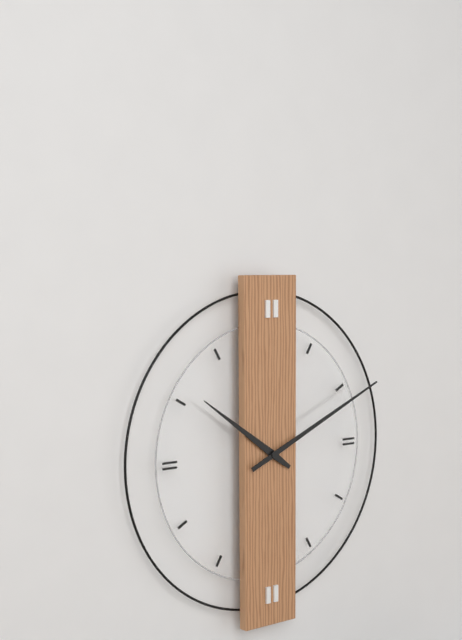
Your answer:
10 h 11 min
